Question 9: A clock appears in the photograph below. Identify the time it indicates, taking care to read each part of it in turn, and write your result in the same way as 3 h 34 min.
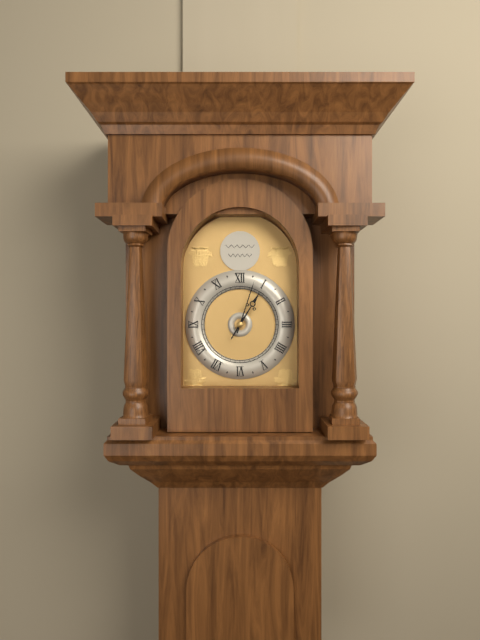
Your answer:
1 h 03 min
